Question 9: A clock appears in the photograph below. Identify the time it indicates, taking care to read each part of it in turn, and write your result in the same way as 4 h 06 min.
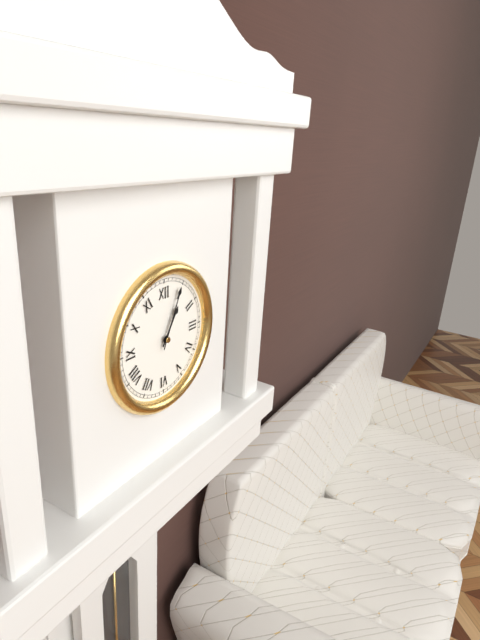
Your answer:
1 h 04 min
